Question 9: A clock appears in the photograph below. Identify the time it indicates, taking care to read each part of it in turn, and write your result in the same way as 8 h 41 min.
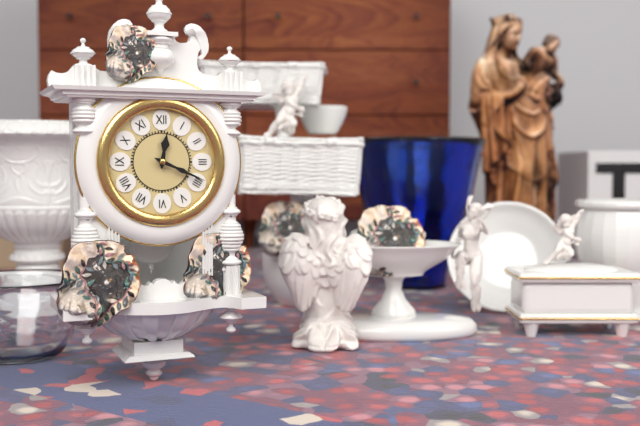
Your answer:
12 h 19 min
